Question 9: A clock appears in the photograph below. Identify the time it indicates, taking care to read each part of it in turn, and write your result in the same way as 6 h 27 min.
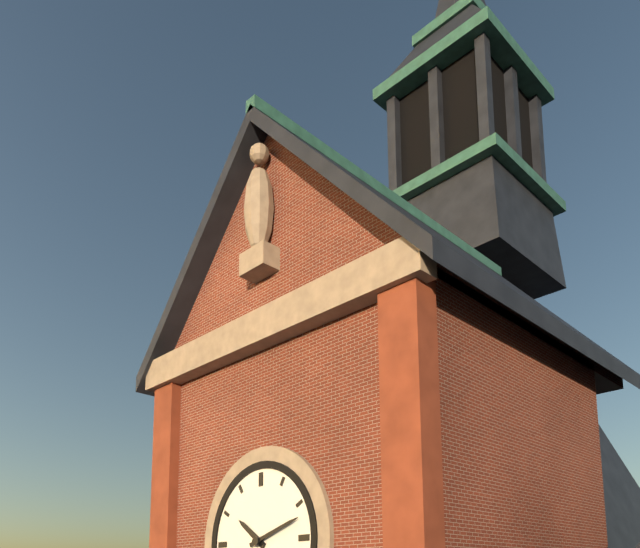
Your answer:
10 h 12 min
